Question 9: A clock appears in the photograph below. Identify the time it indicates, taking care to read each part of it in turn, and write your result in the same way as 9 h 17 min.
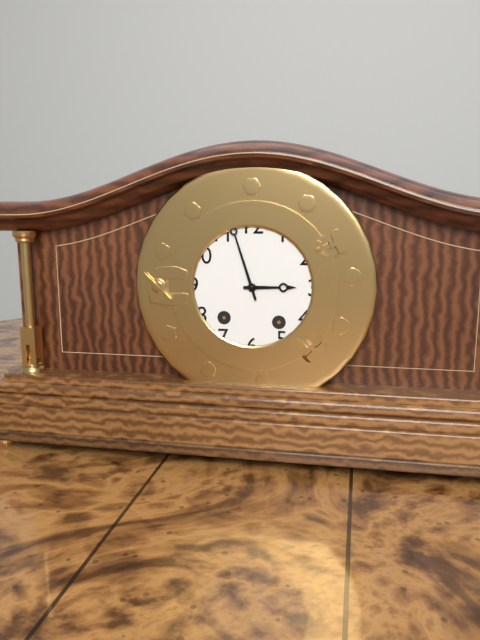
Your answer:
2 h 57 min
